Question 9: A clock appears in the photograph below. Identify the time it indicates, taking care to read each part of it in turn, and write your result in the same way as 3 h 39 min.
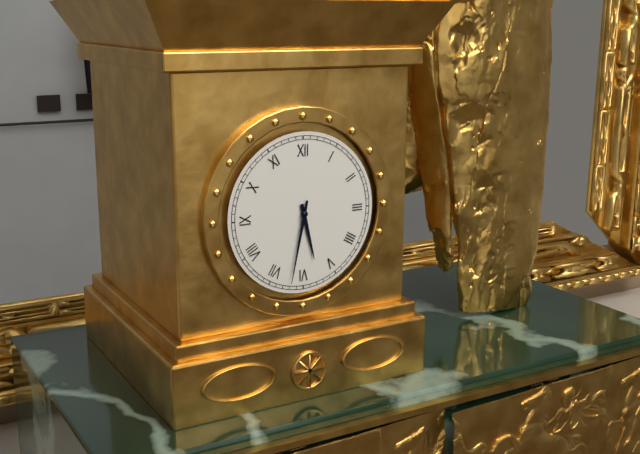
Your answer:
5 h 32 min
